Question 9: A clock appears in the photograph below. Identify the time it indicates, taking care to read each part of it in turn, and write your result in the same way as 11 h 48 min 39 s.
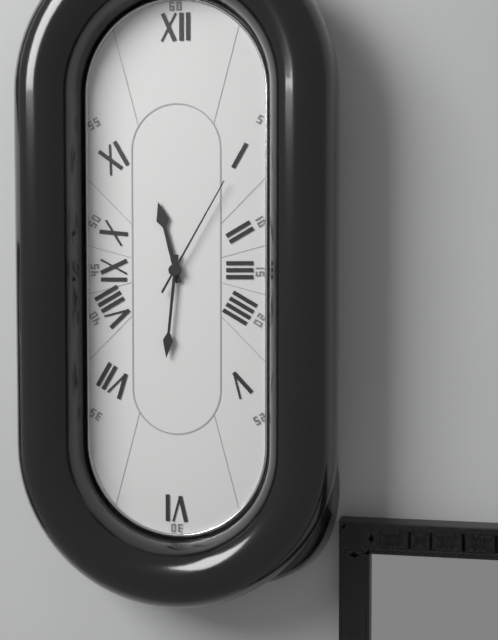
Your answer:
11 h 31 min 05 s
